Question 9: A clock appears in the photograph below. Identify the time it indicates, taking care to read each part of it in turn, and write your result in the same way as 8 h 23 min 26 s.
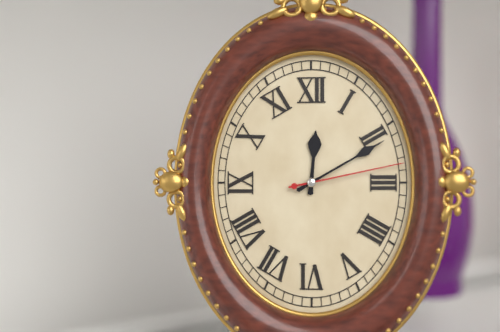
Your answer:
12 h 10 min 13 s
